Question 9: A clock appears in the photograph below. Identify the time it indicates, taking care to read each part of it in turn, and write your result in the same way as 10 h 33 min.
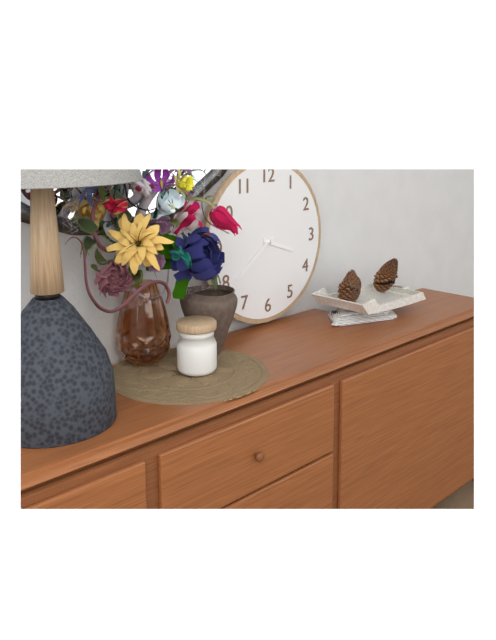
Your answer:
3 h 39 min
